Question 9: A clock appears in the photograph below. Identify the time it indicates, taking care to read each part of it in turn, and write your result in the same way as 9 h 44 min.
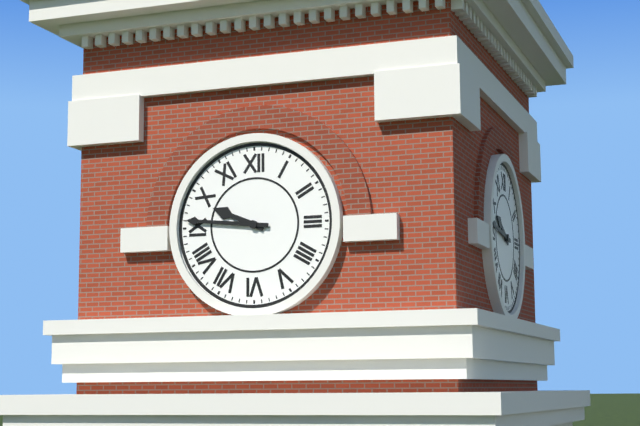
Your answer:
9 h 46 min
